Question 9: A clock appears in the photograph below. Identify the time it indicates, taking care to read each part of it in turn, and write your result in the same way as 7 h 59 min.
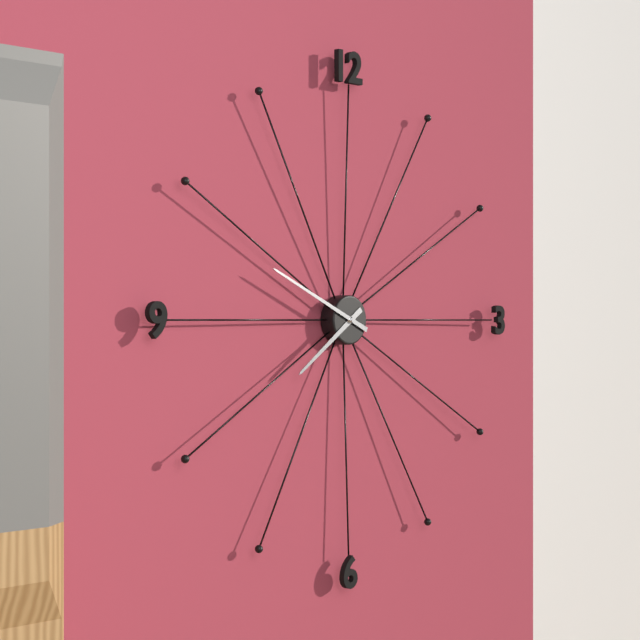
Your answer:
7 h 49 min
